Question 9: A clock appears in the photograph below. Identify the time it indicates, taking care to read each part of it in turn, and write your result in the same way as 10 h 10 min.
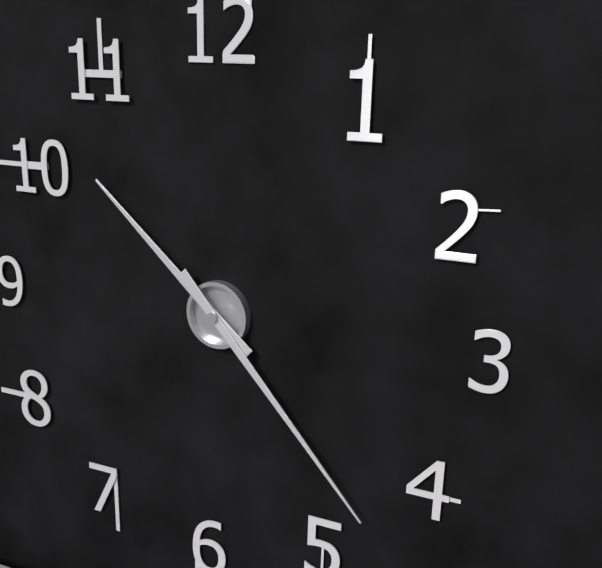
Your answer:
10 h 23 min
